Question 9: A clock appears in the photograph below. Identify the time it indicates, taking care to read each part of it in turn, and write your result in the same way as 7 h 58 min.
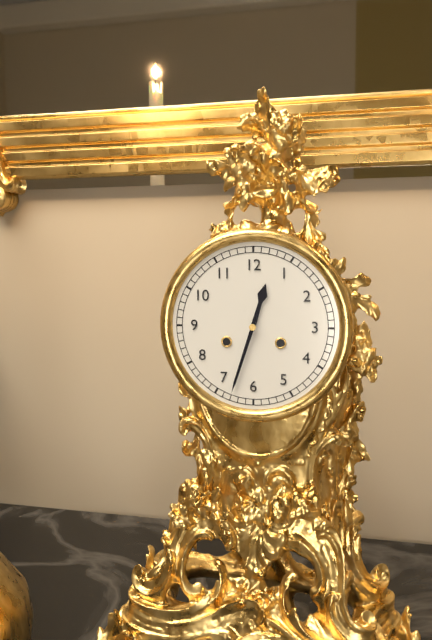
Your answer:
12 h 33 min
